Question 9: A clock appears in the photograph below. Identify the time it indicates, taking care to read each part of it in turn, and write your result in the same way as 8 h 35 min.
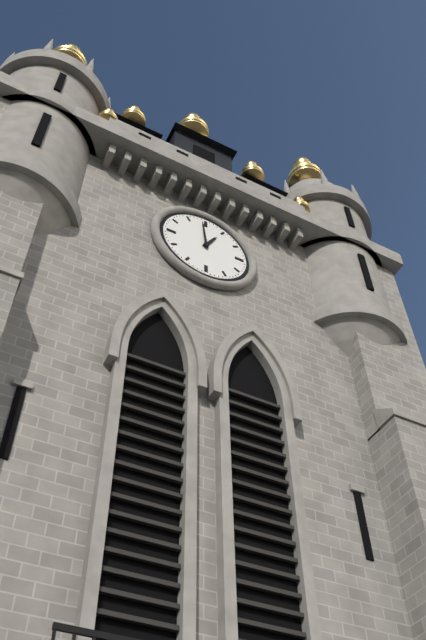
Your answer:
12 h 59 min
